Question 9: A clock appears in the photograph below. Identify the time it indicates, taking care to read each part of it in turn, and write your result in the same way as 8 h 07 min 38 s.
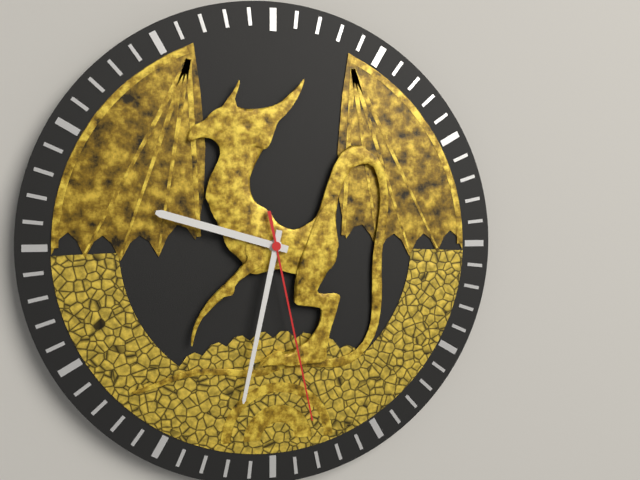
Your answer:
9 h 32 min 28 s
